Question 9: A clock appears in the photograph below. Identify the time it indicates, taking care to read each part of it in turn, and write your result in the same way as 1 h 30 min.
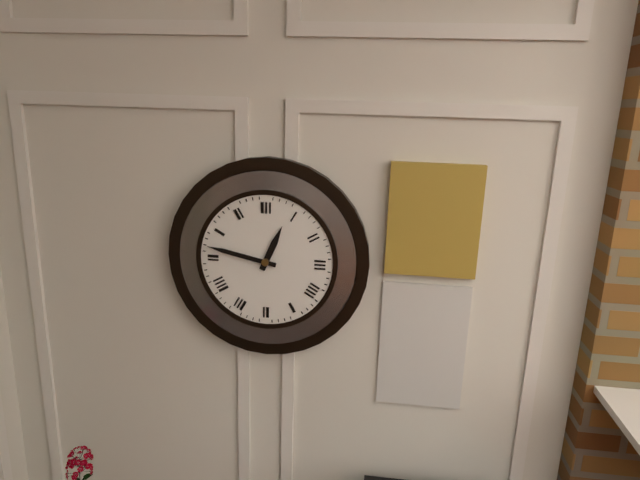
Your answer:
12 h 47 min
